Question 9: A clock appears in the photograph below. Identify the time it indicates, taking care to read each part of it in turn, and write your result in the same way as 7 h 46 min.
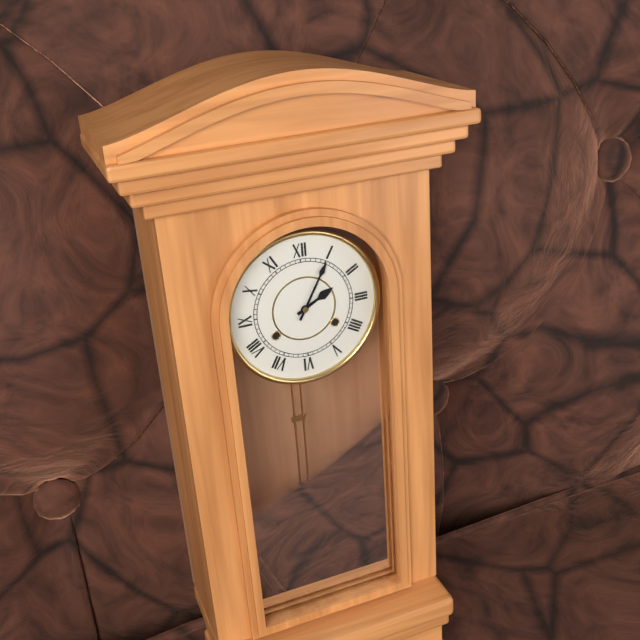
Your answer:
2 h 05 min
